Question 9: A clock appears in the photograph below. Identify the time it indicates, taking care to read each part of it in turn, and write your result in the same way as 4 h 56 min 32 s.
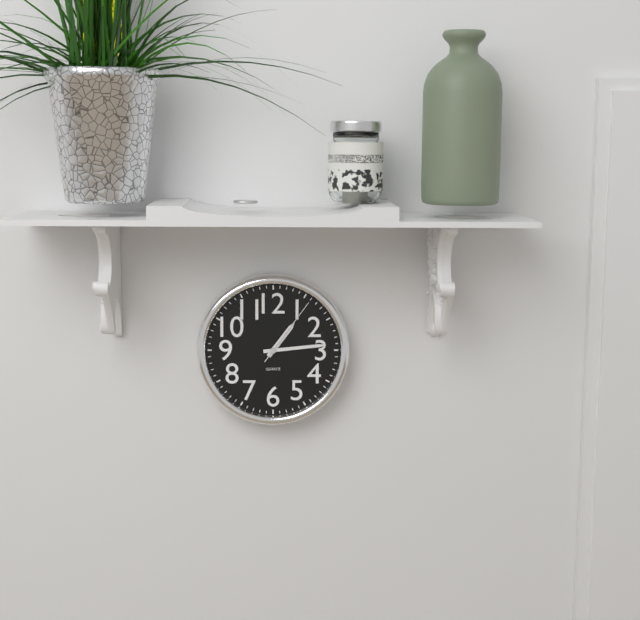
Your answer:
1 h 14 min 06 s
